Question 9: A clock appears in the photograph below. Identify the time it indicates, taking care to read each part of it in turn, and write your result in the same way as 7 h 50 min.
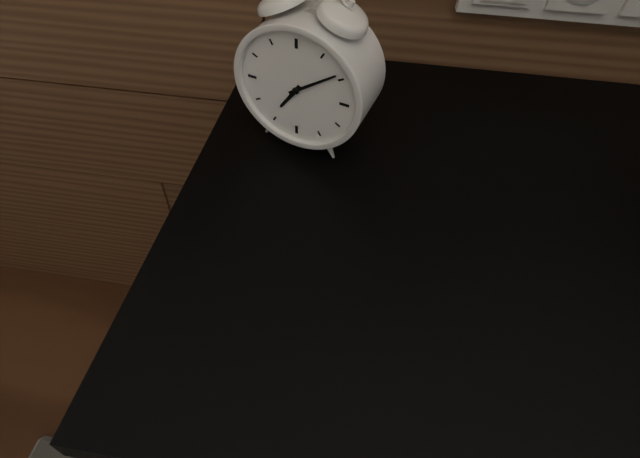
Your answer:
7 h 09 min
